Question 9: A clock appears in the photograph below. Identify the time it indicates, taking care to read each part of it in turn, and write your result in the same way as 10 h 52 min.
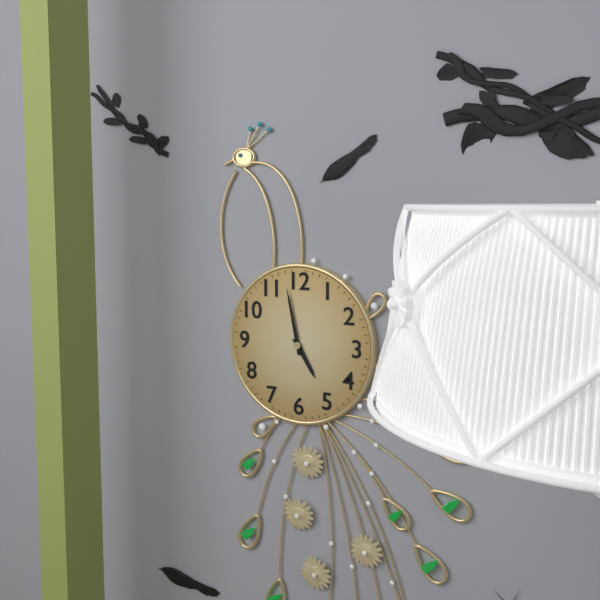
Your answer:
4 h 58 min
